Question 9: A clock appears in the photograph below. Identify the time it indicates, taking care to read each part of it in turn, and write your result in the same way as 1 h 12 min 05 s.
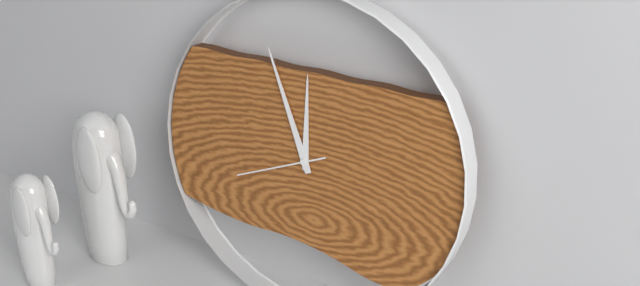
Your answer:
11 h 56 min 41 s
